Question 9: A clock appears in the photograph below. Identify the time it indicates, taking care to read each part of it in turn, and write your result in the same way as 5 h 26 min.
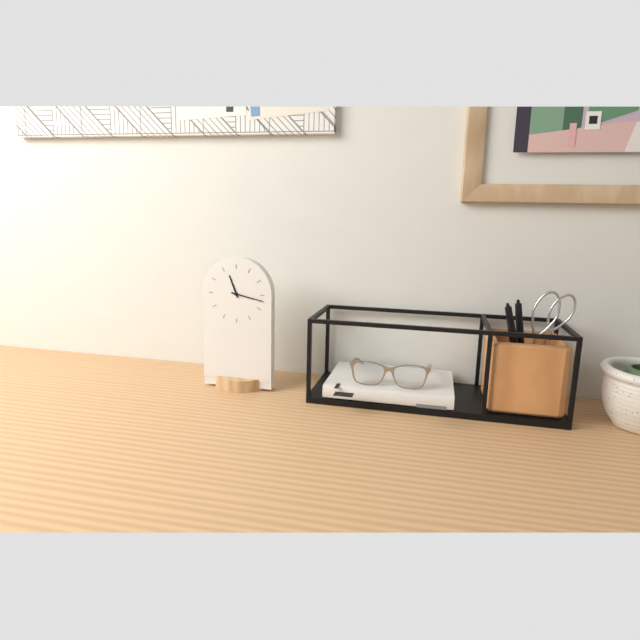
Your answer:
11 h 17 min
